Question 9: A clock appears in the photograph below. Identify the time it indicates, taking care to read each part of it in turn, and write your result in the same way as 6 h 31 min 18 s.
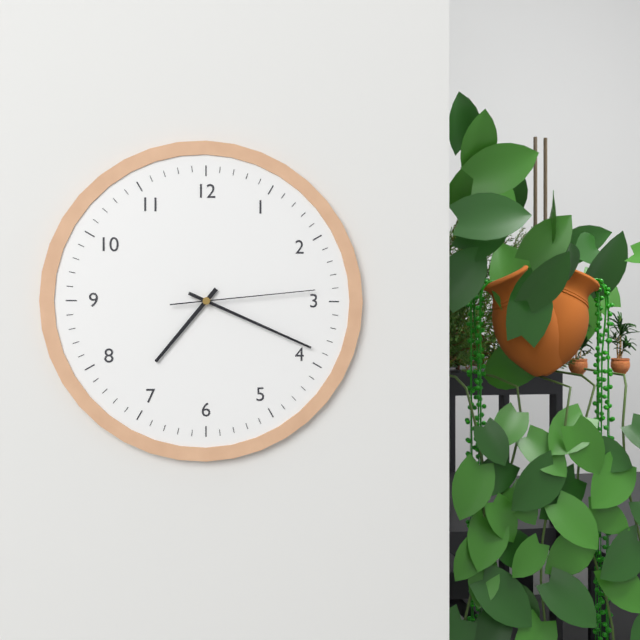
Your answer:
7 h 19 min 14 s
